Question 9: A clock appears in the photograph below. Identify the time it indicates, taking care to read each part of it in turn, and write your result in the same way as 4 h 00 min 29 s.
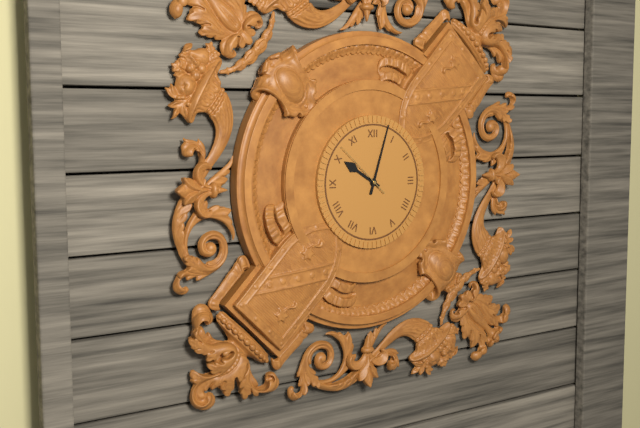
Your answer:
10 h 03 min 52 s
